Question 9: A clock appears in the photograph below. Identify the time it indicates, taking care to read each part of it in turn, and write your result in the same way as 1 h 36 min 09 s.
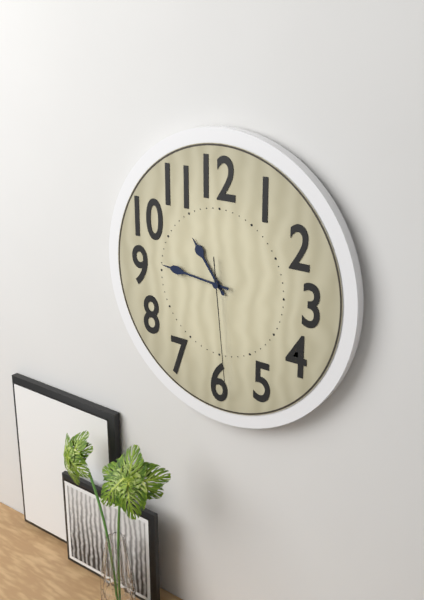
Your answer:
10 h 46 min 29 s
